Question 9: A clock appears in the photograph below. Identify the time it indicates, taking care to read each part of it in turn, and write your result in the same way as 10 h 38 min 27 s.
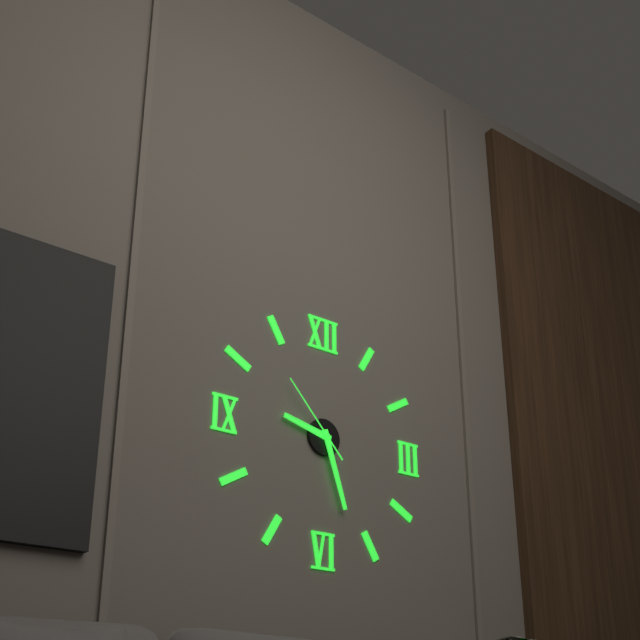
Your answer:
9 h 27 min 53 s
